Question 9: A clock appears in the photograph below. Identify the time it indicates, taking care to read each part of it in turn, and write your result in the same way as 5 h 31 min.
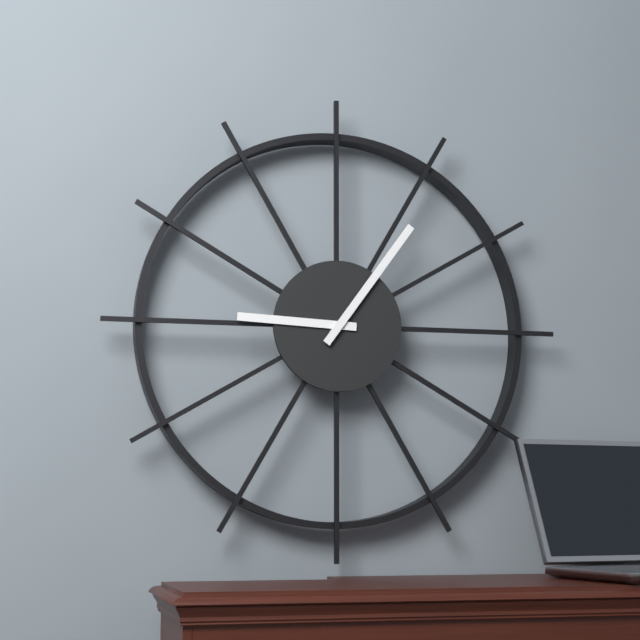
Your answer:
9 h 06 min
